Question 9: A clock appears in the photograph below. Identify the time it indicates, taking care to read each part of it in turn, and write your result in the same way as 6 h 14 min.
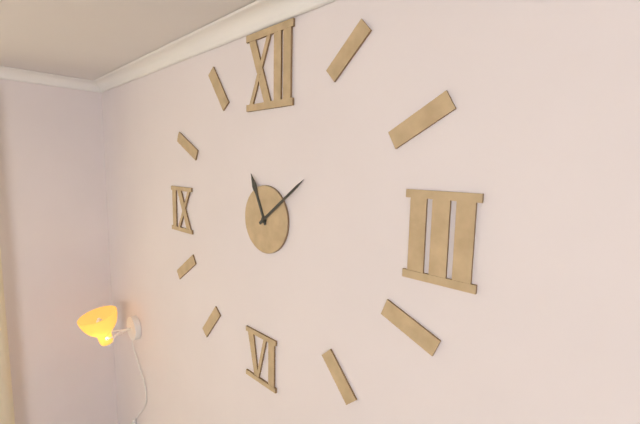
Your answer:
11 h 09 min
